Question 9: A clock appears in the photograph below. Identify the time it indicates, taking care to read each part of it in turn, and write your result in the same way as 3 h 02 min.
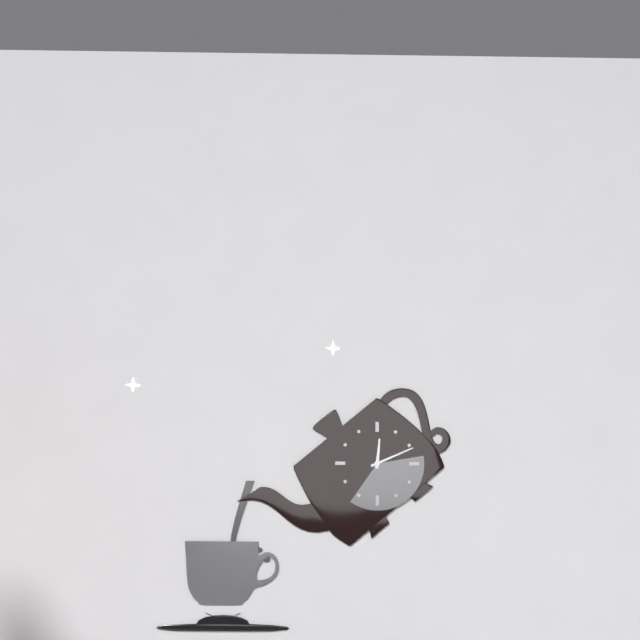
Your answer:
12 h 11 min
